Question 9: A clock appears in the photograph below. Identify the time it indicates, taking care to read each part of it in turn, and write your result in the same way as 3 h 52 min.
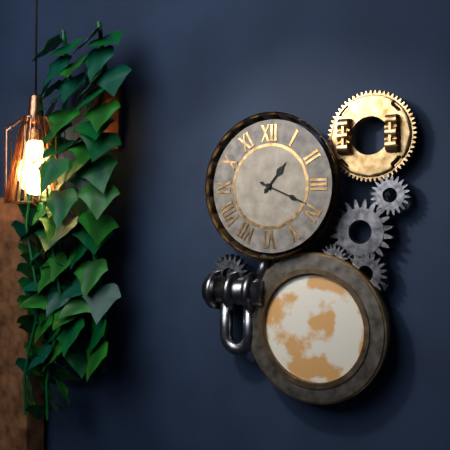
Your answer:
1 h 19 min
